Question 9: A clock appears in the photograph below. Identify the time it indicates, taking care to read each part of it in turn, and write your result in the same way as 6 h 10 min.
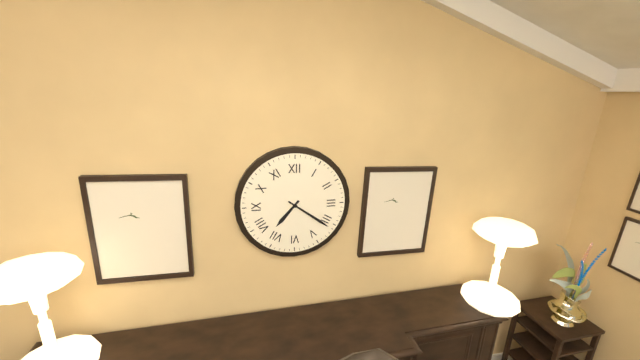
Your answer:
7 h 21 min
